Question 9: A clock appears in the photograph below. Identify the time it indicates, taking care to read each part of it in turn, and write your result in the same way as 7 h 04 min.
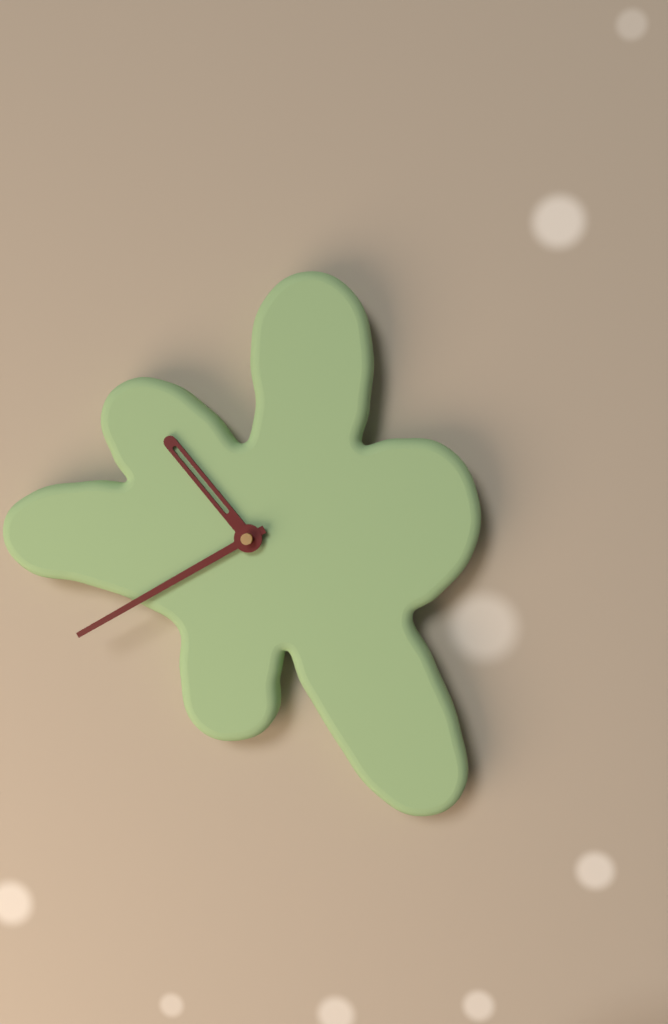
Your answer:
10 h 40 min
